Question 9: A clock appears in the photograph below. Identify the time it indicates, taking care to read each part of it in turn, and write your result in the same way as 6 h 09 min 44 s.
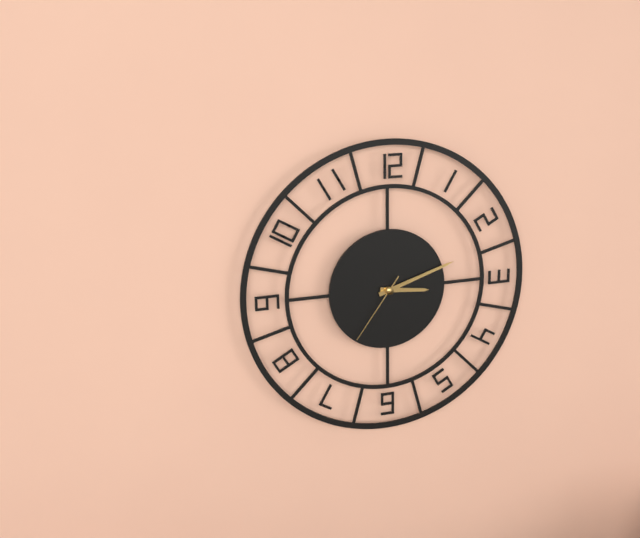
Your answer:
3 h 12 min 36 s
